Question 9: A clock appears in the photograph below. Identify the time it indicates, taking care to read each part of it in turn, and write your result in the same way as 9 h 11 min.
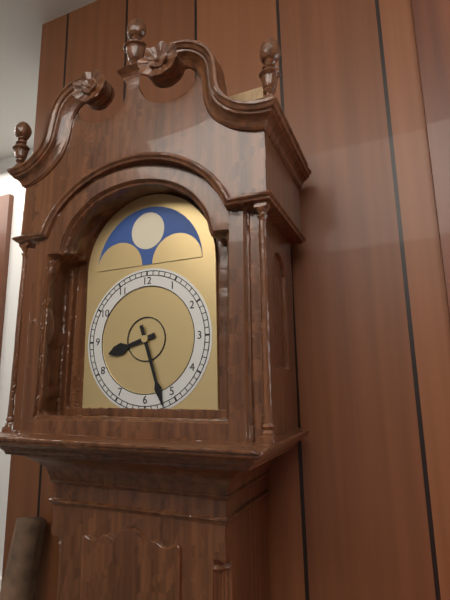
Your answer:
8 h 27 min
